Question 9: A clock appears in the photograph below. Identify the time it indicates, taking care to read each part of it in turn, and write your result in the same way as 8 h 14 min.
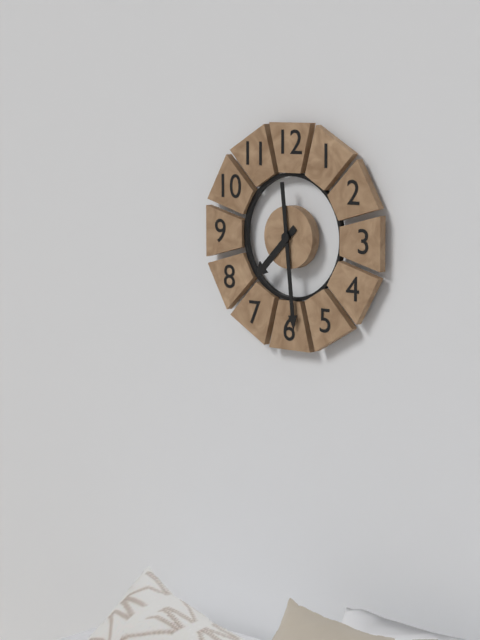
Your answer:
7 h 29 min
